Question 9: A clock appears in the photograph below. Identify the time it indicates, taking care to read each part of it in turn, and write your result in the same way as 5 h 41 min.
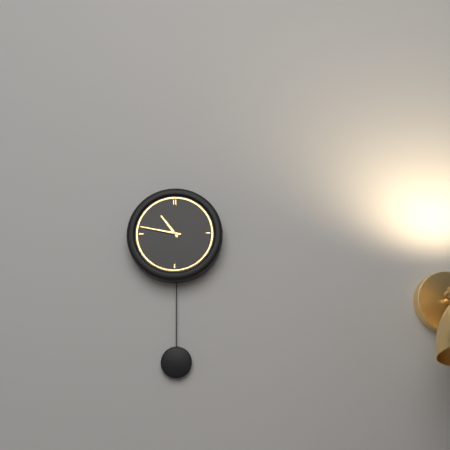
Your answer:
10 h 47 min
